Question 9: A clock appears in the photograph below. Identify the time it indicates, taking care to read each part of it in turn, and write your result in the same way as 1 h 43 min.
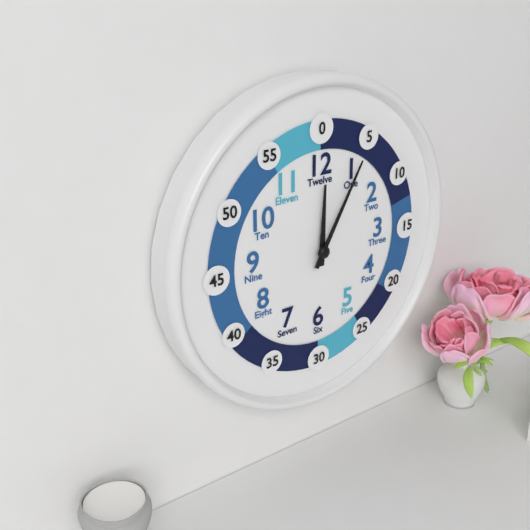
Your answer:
12 h 05 min
